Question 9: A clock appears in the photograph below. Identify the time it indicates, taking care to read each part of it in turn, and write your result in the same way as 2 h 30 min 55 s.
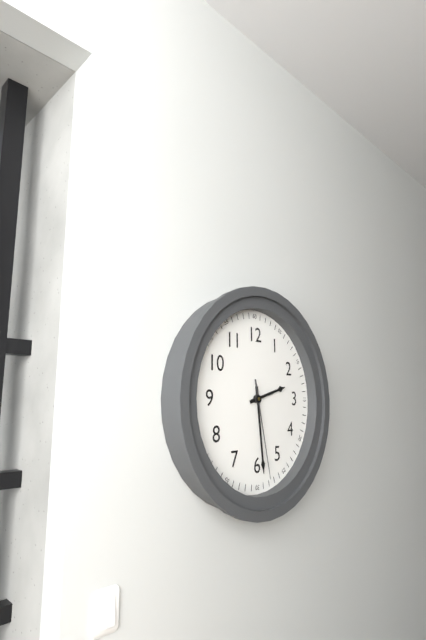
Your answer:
2 h 29 min 28 s
